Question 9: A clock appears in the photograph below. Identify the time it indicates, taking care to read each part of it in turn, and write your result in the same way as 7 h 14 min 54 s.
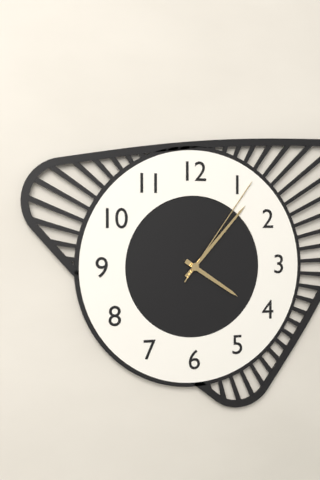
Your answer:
4 h 07 min 06 s
